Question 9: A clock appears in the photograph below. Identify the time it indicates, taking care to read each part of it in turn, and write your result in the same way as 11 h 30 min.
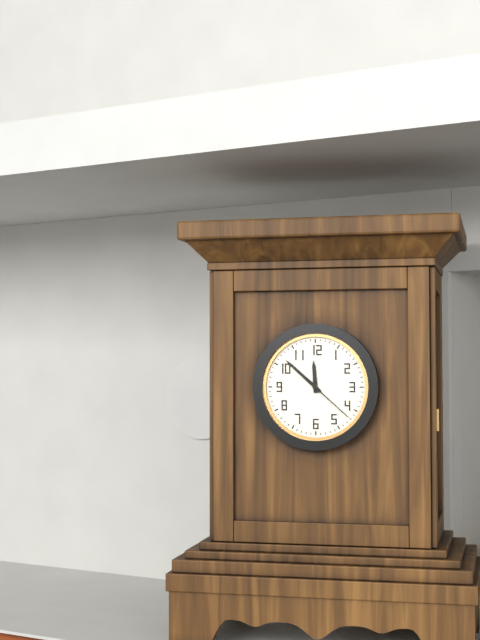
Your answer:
11 h 52 min
